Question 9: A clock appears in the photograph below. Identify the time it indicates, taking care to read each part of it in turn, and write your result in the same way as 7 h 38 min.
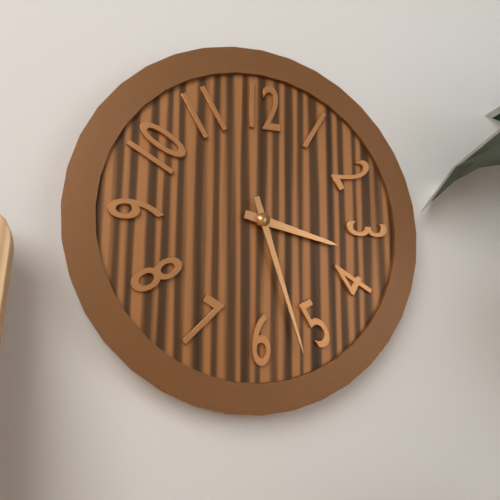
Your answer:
3 h 27 min
